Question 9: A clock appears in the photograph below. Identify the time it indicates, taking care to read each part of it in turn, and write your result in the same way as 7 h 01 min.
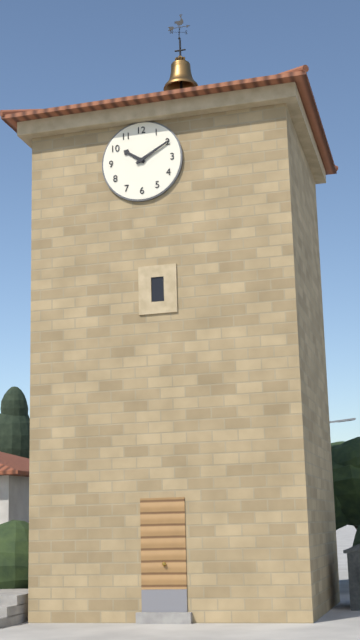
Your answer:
10 h 10 min
